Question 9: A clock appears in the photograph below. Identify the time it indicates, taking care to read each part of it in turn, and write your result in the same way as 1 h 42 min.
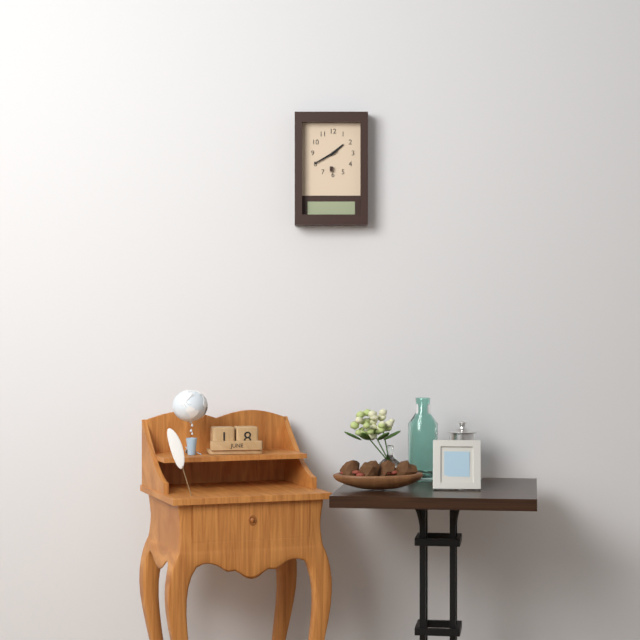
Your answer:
1 h 40 min
